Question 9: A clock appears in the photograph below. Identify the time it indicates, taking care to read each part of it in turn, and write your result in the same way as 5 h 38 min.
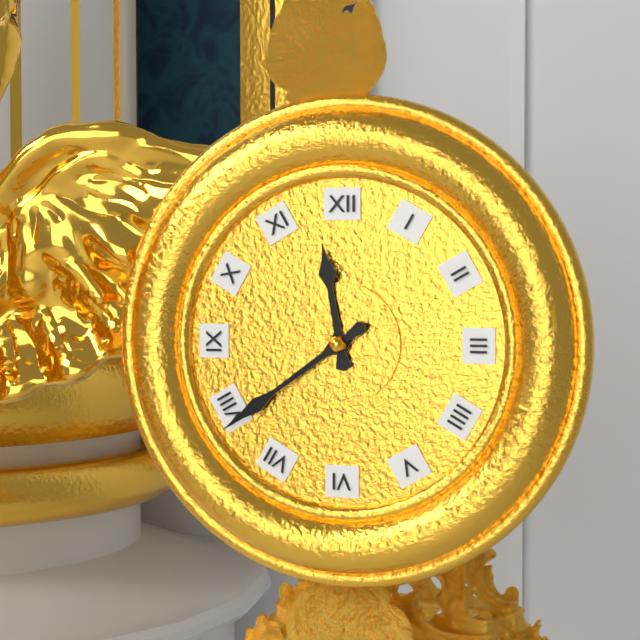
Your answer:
11 h 39 min
